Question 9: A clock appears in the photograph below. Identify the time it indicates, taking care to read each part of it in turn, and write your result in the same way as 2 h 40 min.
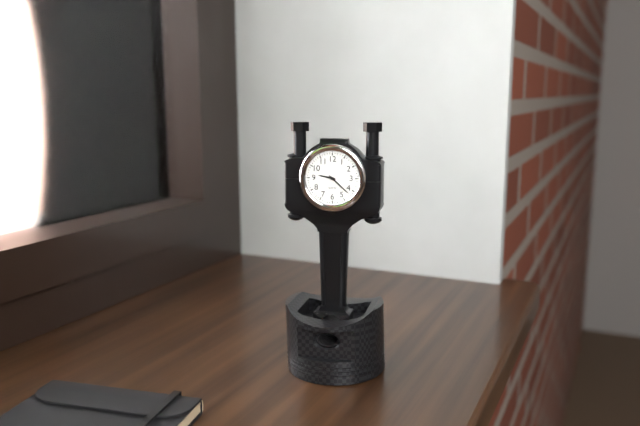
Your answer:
9 h 22 min
